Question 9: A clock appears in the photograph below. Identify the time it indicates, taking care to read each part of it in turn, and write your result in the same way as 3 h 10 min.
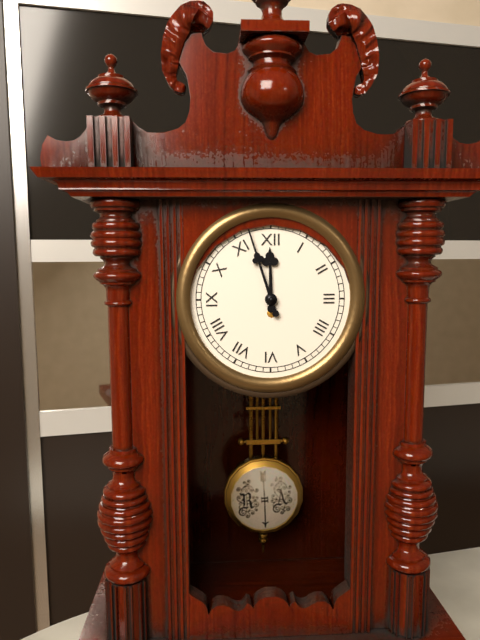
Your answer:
11 h 57 min
